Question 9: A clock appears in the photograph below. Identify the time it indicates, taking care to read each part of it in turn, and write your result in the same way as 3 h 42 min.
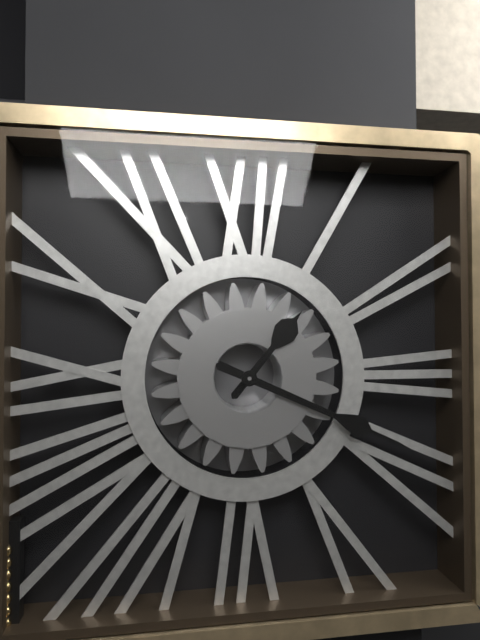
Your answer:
1 h 19 min
